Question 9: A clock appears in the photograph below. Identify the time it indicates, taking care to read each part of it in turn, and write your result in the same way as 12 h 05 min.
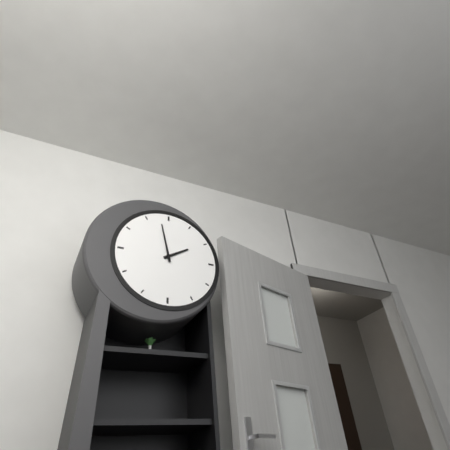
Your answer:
1 h 58 min
